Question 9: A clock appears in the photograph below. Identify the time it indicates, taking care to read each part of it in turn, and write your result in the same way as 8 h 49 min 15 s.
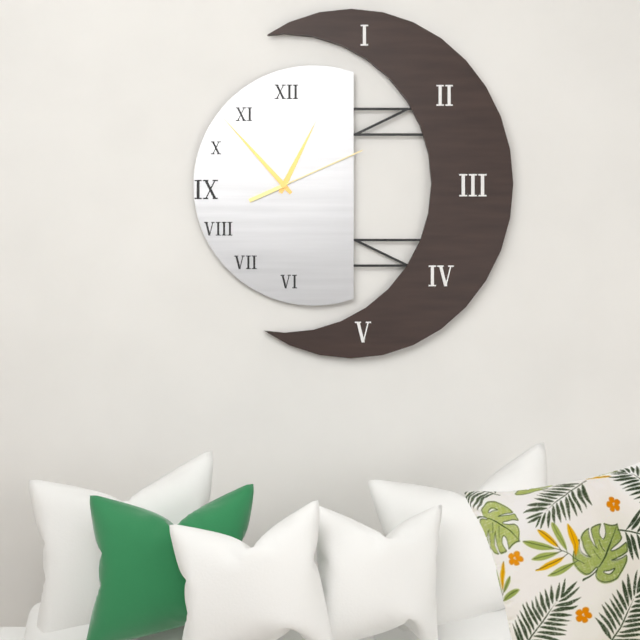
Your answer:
12 h 53 min 11 s
